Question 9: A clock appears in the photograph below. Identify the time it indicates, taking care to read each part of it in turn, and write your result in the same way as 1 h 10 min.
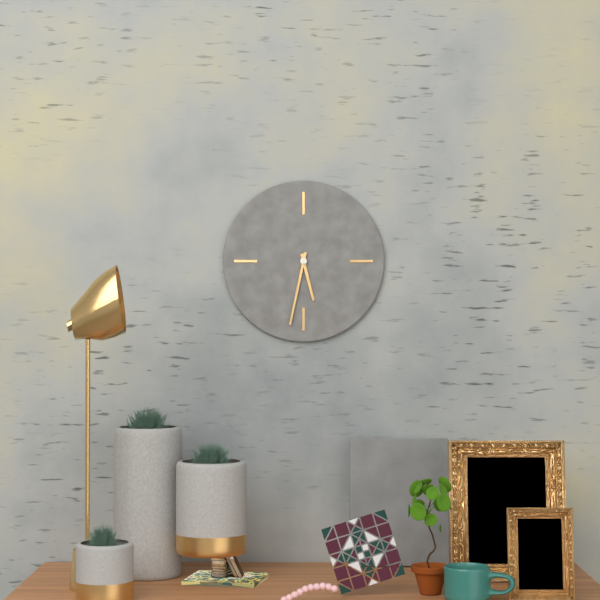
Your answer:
5 h 32 min
